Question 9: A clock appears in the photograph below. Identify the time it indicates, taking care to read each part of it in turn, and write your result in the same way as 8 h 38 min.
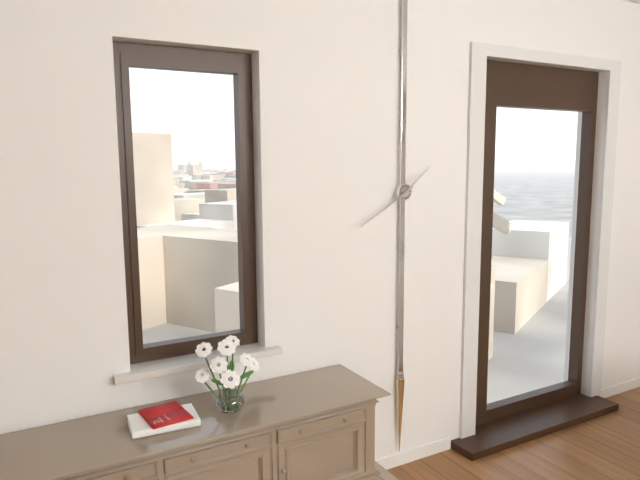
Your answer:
1 h 40 min
